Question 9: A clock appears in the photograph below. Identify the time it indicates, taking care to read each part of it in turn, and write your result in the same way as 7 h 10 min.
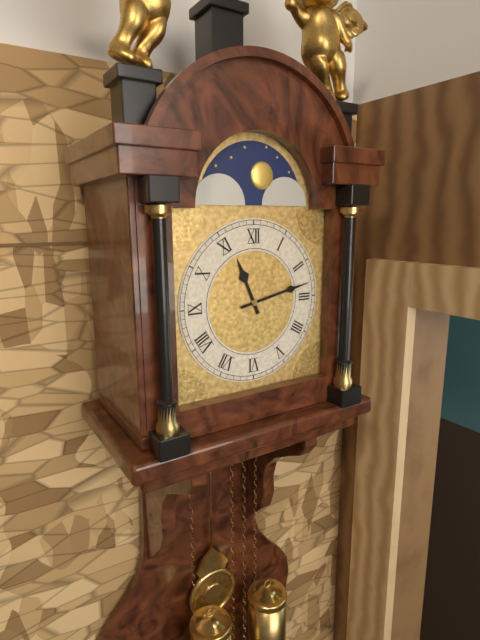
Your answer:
11 h 13 min
